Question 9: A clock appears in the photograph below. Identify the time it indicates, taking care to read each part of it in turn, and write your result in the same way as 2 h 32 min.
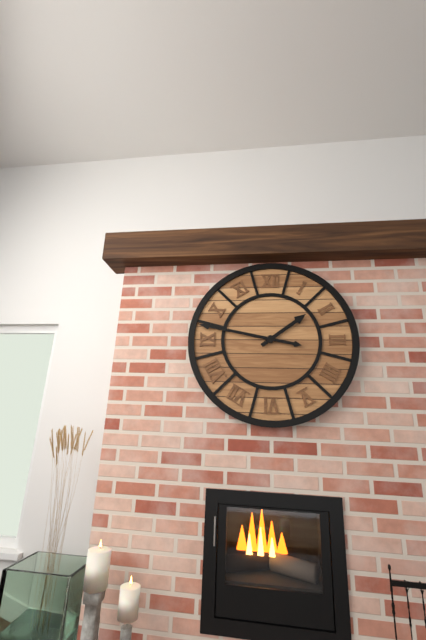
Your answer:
1 h 47 min
